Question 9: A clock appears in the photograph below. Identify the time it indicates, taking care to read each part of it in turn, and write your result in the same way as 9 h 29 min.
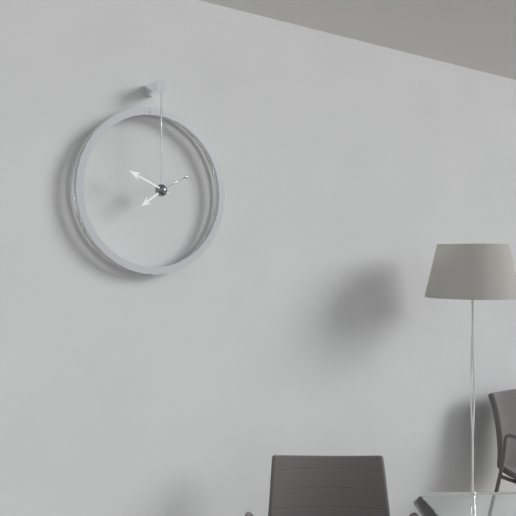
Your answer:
7 h 49 min
